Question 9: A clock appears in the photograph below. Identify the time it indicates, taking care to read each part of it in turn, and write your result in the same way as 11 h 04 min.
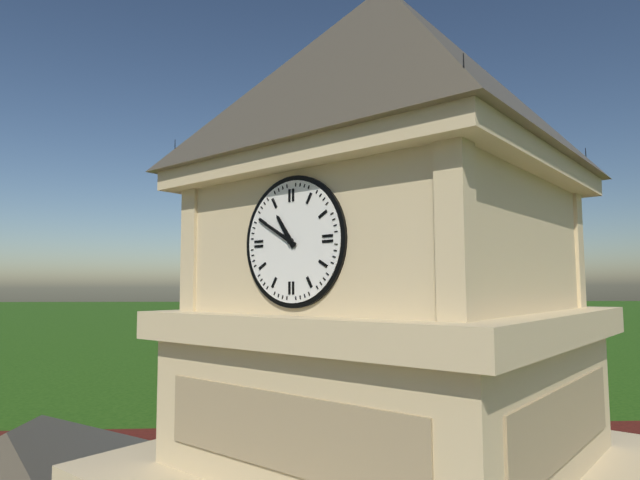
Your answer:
10 h 50 min
